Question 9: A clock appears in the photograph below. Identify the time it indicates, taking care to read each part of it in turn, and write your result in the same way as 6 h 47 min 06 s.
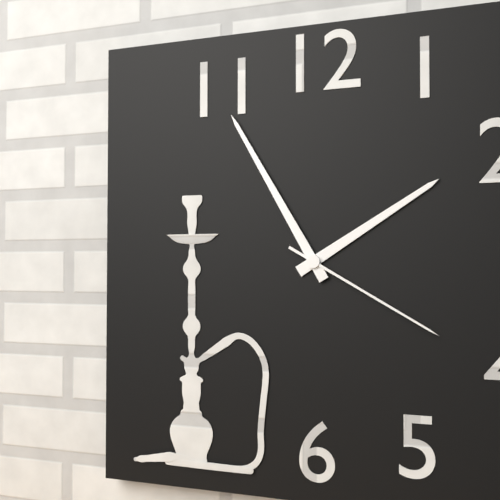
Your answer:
1 h 55 min 20 s
